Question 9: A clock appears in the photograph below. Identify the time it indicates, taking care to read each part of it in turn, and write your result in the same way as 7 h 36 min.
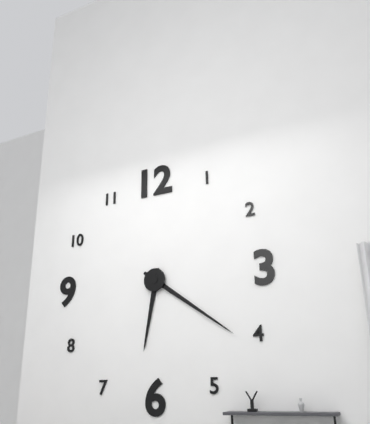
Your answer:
6 h 21 min
